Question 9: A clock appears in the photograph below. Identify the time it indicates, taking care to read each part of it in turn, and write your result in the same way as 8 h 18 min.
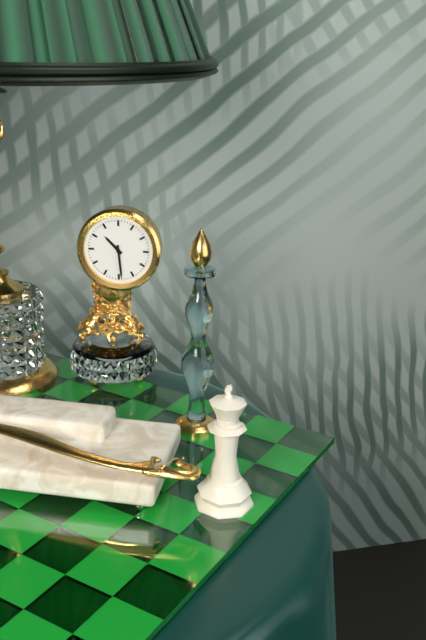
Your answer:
10 h 29 min
